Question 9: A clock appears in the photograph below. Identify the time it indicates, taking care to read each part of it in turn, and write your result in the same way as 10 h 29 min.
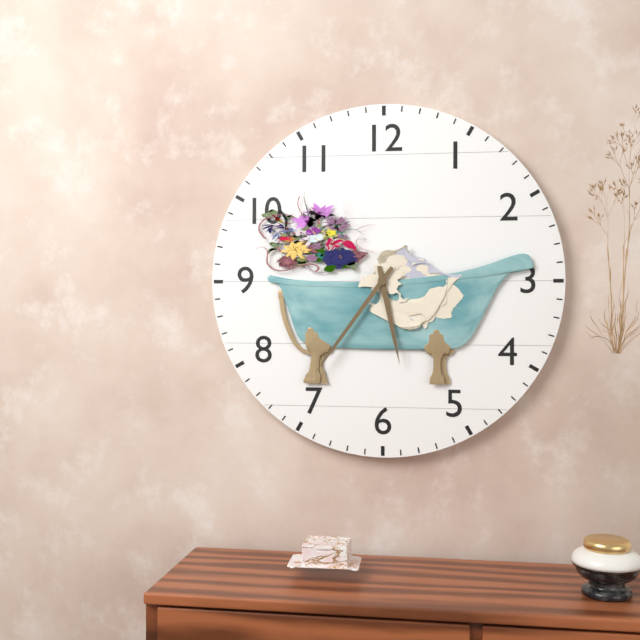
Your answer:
5 h 36 min
